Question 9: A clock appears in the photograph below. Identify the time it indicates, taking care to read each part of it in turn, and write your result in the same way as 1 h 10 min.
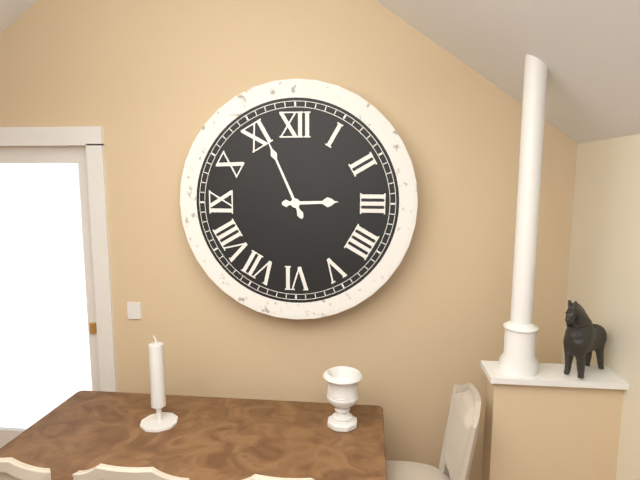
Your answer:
2 h 56 min
